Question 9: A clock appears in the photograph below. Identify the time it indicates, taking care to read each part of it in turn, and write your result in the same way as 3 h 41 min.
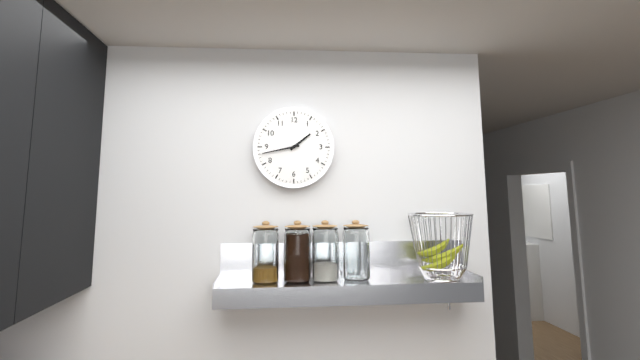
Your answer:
1 h 43 min
